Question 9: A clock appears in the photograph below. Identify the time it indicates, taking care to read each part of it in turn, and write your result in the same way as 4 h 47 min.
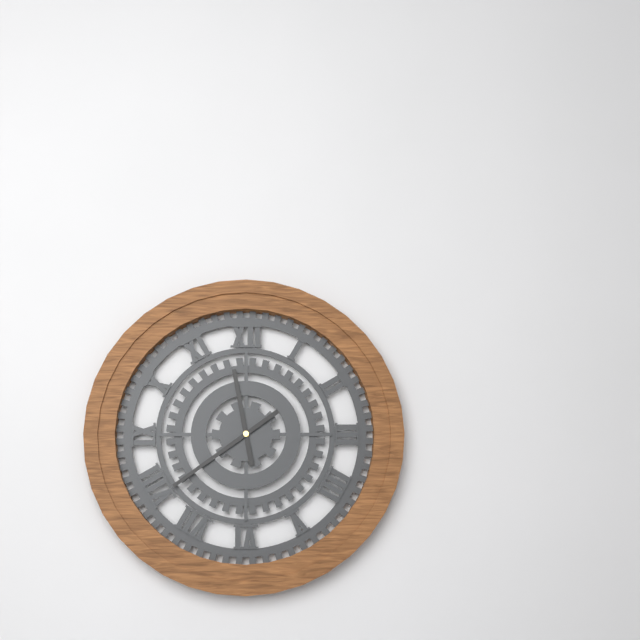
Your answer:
11 h 39 min
